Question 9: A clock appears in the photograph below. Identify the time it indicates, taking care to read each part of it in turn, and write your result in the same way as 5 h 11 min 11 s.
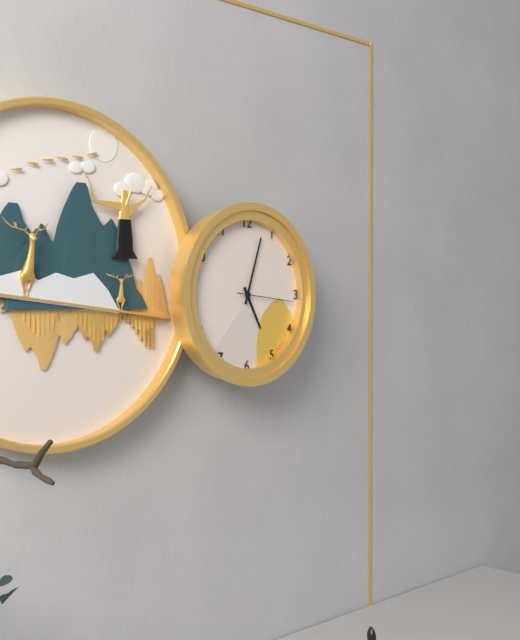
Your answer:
5 h 03 min 16 s
